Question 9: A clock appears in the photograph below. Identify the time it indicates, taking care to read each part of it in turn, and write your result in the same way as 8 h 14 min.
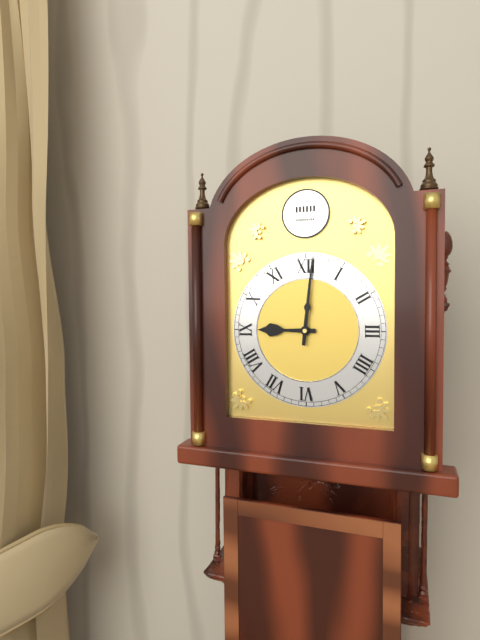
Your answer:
9 h 01 min
